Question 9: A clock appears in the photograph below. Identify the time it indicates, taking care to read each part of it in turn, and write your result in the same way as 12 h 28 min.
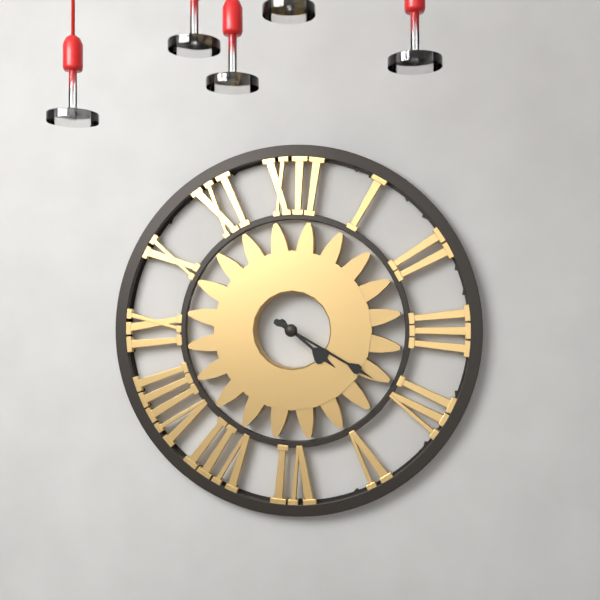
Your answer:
4 h 20 min
